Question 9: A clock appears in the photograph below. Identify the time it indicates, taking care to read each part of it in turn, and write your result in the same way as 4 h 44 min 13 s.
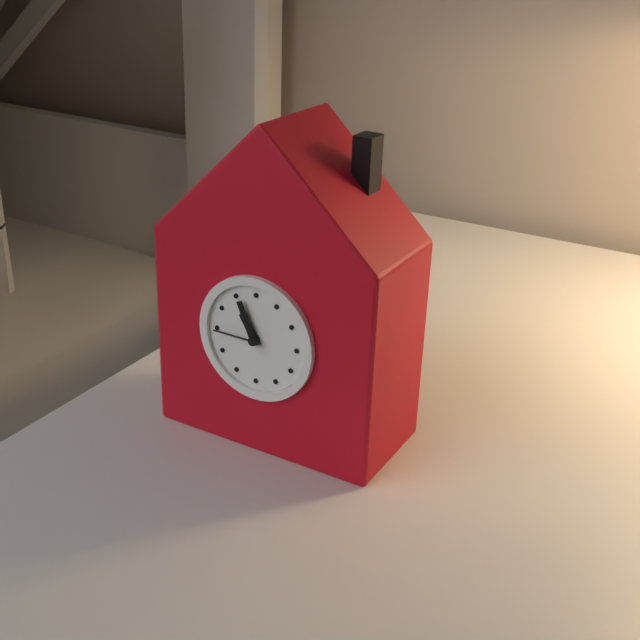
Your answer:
10 h 56 min 45 s
